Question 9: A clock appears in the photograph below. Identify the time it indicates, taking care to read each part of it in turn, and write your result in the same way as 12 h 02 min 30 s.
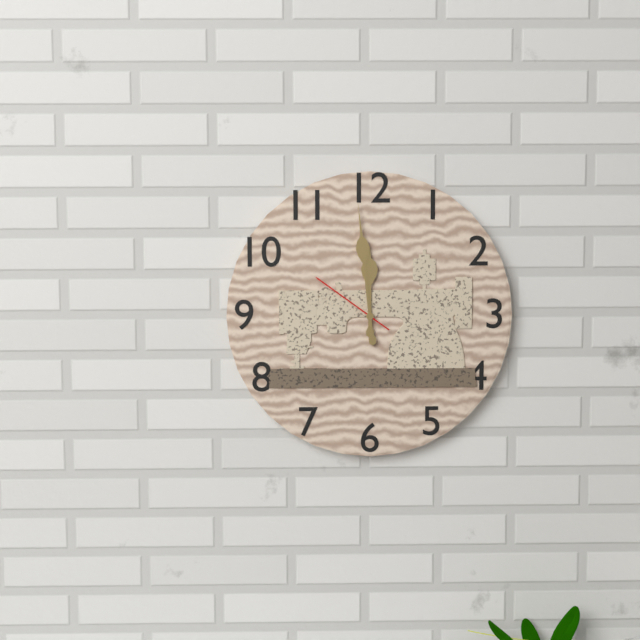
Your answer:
11 h 59 min 51 s
